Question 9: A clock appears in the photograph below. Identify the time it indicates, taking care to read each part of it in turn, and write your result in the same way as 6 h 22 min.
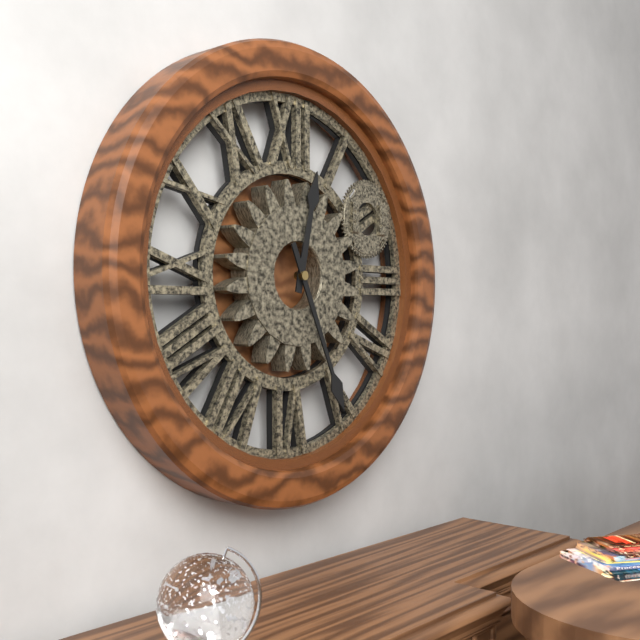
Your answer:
12 h 26 min
